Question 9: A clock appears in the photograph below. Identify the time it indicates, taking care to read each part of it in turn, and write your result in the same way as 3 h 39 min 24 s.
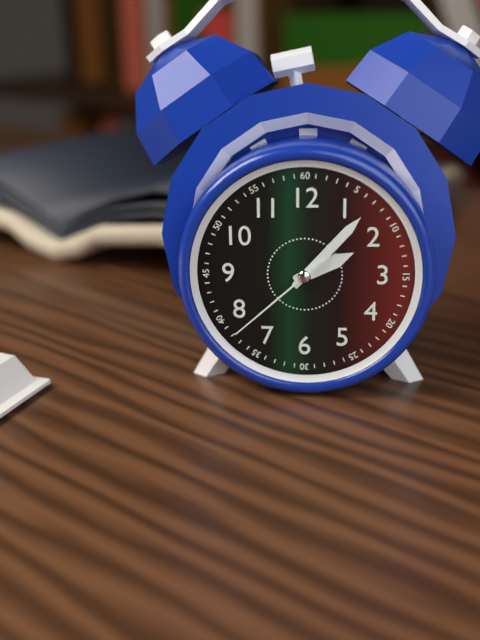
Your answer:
2 h 07 min 38 s
